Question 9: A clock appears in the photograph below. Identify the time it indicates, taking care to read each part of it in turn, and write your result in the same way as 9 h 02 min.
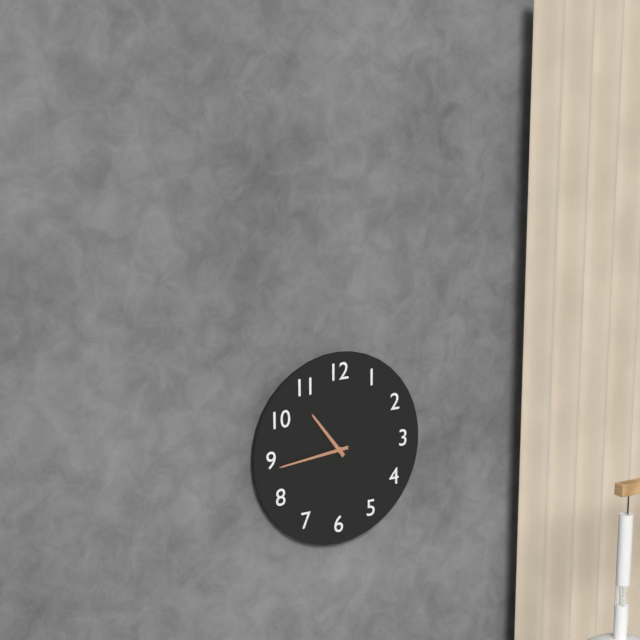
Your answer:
10 h 44 min
